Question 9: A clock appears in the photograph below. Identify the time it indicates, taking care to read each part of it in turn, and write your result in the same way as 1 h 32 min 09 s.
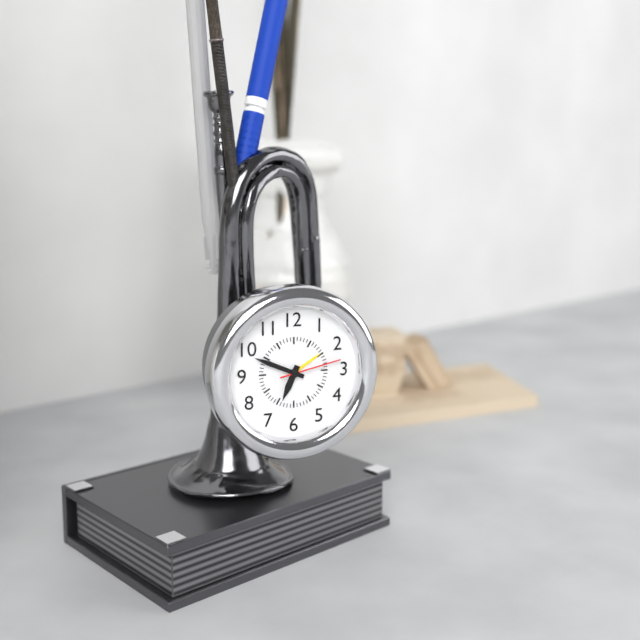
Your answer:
6 h 49 min 13 s
